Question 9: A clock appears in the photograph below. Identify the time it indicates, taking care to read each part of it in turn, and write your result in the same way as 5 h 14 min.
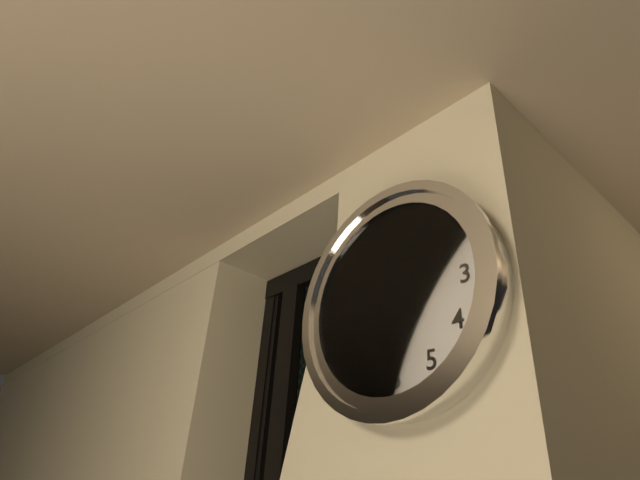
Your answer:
10 h 11 min
